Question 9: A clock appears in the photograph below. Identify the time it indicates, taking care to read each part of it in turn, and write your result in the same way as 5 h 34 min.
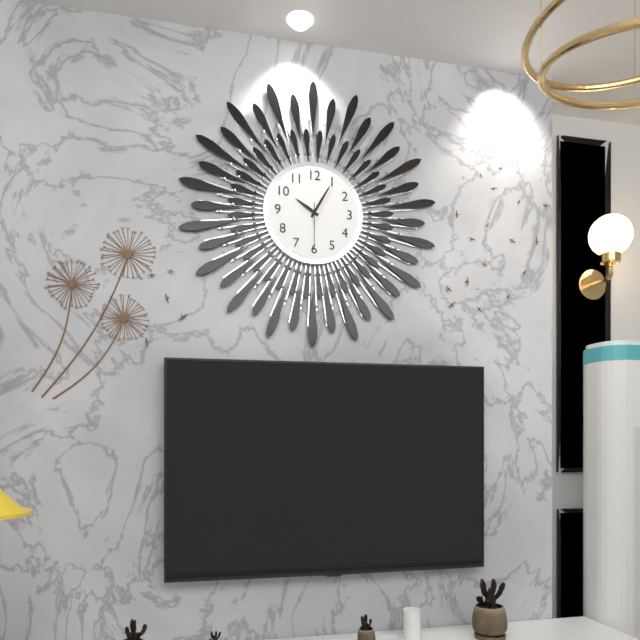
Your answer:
10 h 05 min
